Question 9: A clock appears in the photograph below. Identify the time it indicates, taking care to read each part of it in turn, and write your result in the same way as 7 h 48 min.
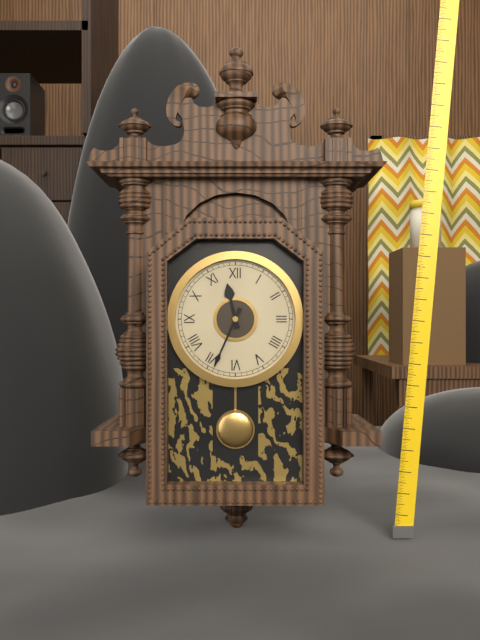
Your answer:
11 h 34 min
